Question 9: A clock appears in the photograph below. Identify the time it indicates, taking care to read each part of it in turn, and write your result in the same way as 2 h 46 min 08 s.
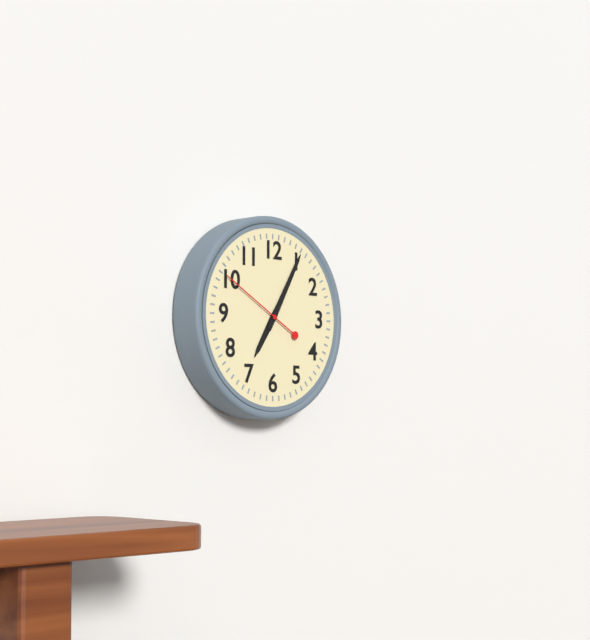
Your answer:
7 h 05 min 50 s
